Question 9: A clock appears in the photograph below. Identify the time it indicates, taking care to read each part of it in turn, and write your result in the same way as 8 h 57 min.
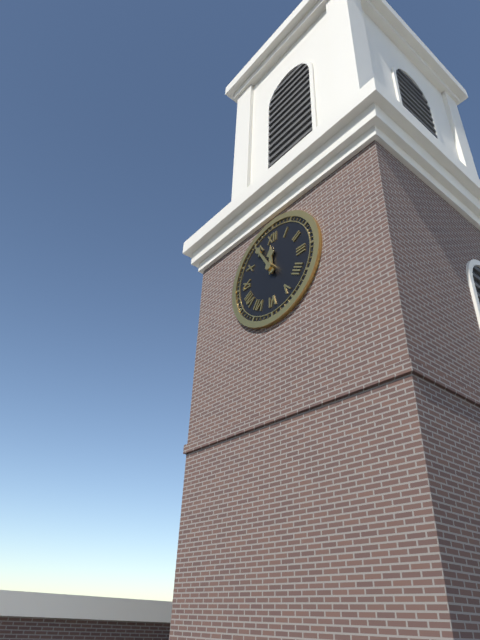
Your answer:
11 h 55 min
